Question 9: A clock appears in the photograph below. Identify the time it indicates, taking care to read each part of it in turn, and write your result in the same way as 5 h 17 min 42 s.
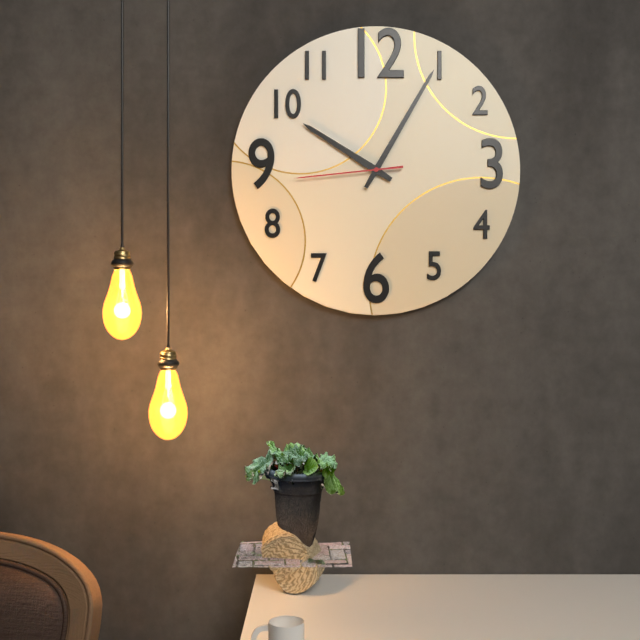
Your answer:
10 h 05 min 44 s
